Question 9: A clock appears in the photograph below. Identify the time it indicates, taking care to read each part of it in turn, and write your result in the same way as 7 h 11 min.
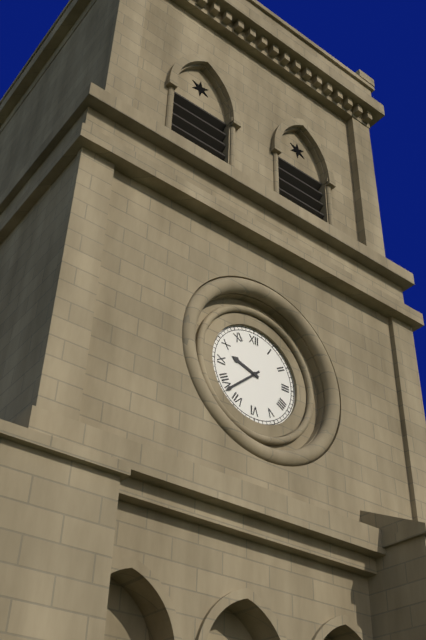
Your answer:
9 h 38 min
